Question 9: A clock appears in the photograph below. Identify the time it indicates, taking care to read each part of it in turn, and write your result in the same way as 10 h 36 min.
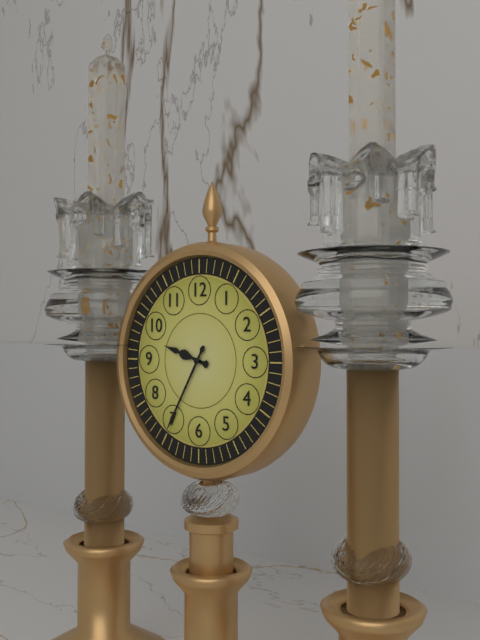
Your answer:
9 h 35 min
